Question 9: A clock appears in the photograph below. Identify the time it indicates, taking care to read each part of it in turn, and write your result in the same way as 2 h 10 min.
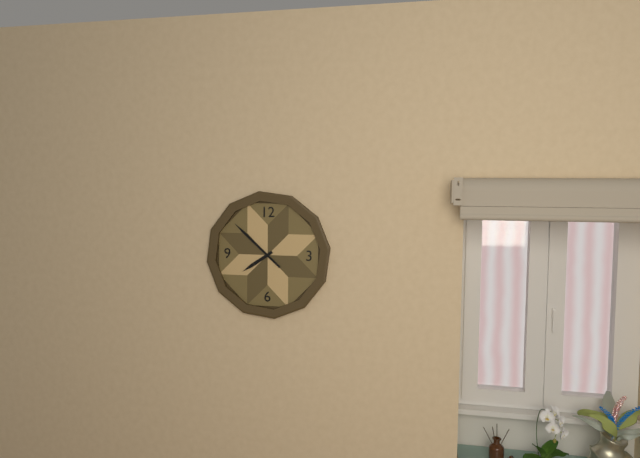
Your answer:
7 h 52 min
